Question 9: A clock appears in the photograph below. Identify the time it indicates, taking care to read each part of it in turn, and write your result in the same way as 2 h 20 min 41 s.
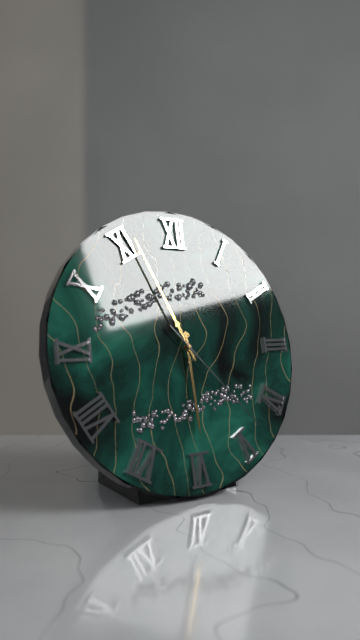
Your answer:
5 h 56 min 23 s
